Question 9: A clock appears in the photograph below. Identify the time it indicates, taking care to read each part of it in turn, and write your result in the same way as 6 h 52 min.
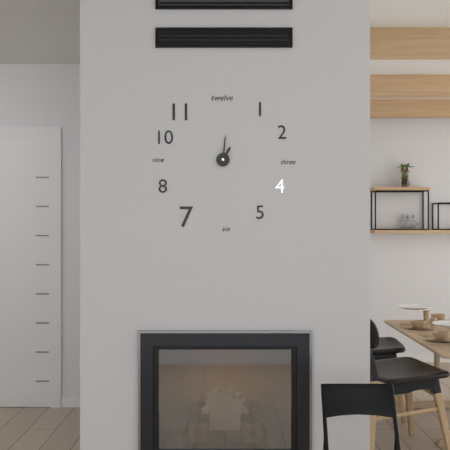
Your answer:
1 h 01 min
